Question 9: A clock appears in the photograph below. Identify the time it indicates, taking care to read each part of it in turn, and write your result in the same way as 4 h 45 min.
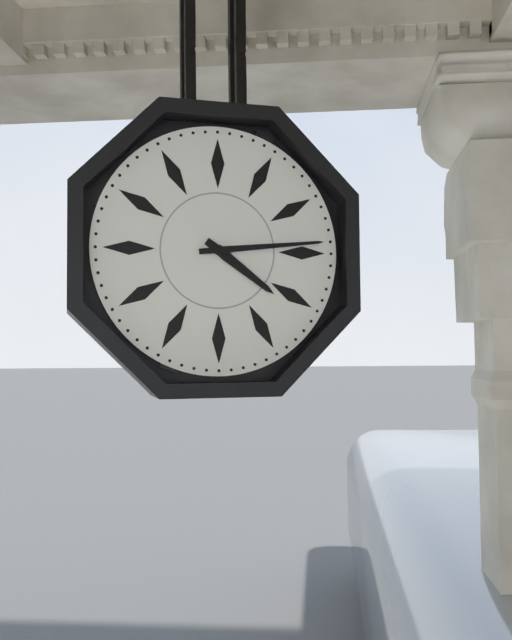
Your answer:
4 h 14 min
